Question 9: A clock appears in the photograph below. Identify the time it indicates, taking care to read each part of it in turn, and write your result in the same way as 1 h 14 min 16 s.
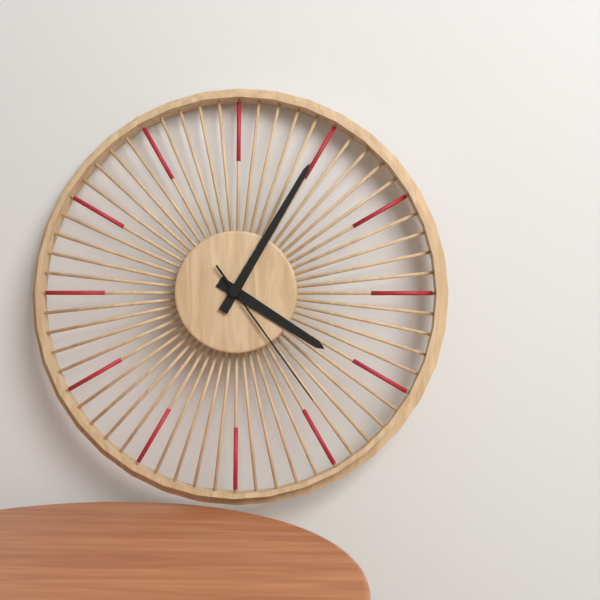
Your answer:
4 h 05 min 24 s
